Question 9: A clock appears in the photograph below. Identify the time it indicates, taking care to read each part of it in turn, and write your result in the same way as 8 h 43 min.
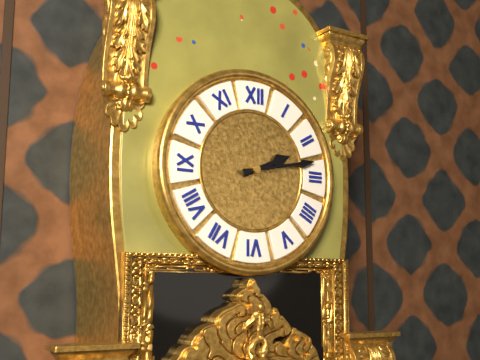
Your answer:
2 h 13 min
